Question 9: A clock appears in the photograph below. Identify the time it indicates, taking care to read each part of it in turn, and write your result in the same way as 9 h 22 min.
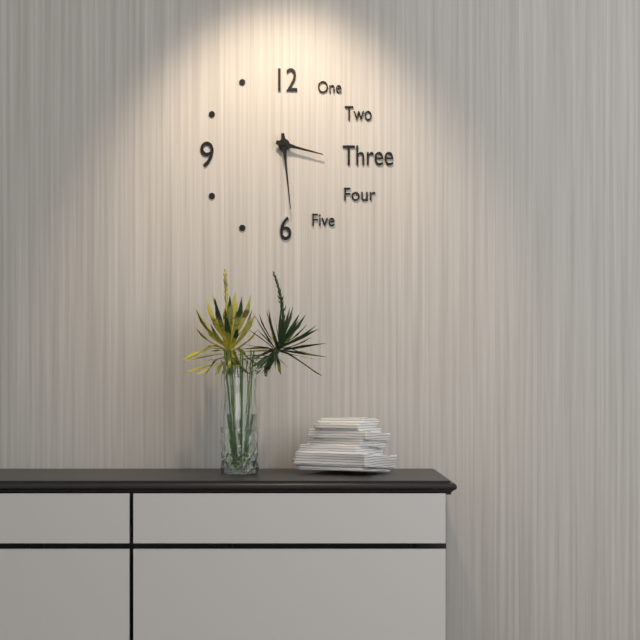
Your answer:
3 h 29 min
